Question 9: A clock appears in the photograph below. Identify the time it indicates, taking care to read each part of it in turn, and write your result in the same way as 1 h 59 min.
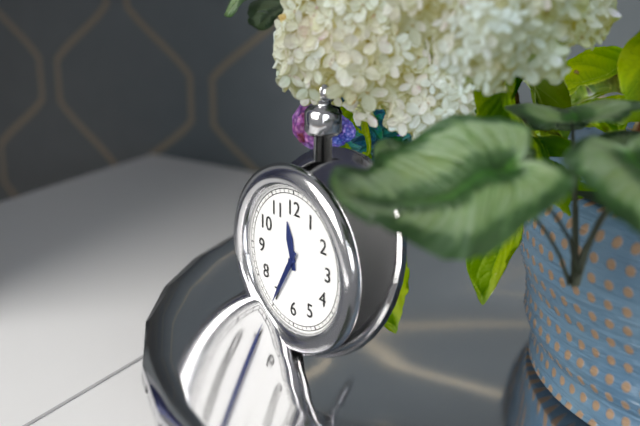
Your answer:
11 h 35 min
